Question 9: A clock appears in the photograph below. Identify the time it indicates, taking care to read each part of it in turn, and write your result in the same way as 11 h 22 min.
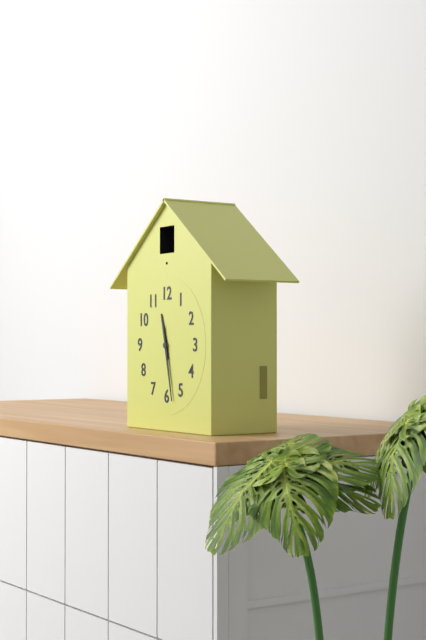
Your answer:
11 h 28 min
